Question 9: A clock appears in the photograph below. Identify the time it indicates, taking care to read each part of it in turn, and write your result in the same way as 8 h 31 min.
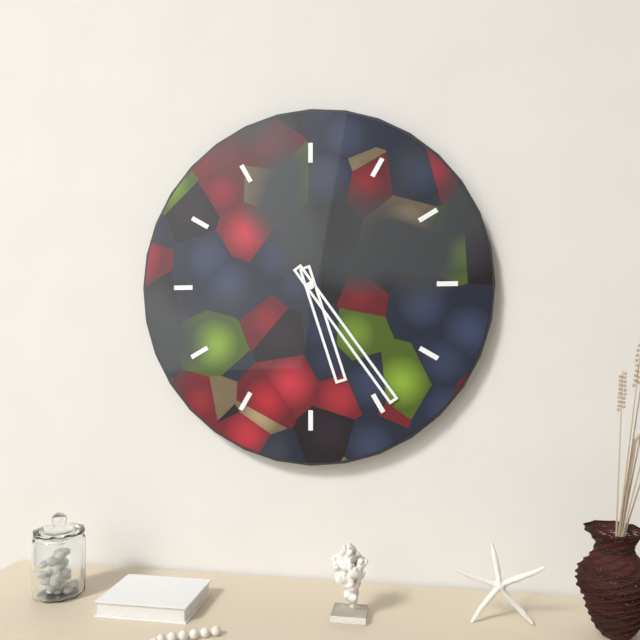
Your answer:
5 h 24 min
